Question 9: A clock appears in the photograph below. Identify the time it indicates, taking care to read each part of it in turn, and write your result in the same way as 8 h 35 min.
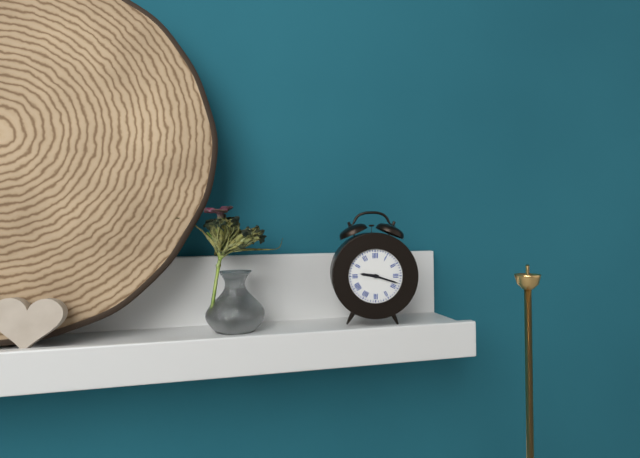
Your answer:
9 h 18 min
